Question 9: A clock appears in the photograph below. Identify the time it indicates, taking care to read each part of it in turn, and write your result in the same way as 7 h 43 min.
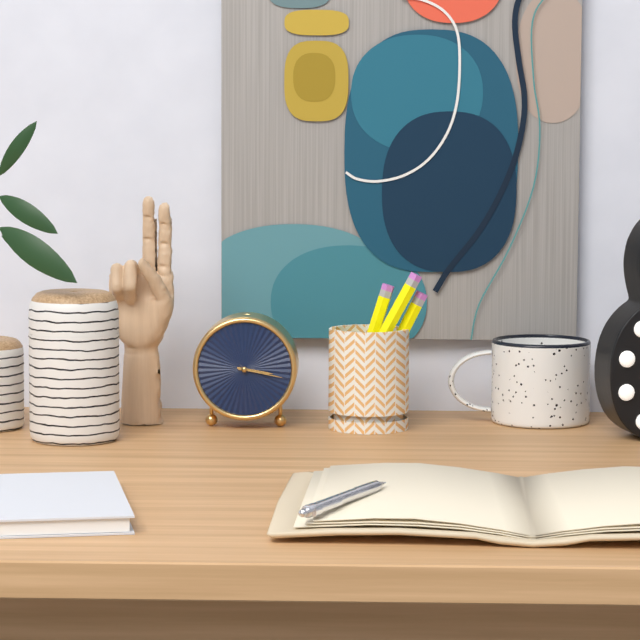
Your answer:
3 h 17 min
